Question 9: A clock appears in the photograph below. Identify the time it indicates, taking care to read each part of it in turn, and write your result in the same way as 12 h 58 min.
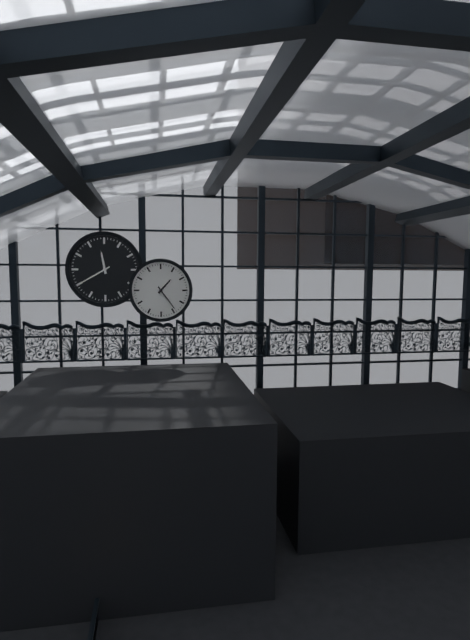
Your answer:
1 h 24 min
